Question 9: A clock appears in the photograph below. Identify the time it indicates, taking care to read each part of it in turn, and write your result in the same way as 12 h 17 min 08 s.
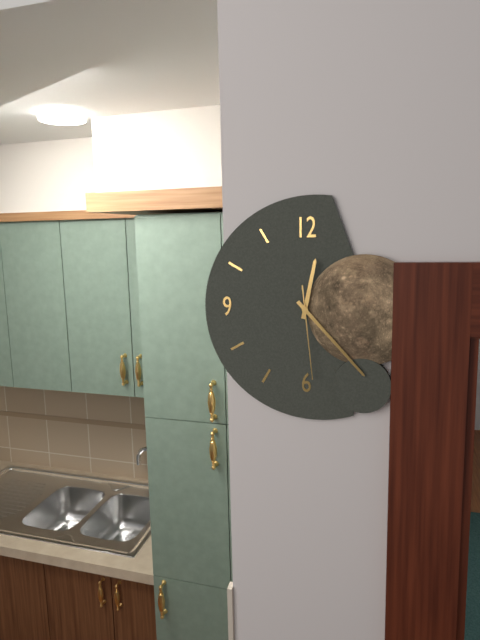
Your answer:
12 h 23 min 29 s
